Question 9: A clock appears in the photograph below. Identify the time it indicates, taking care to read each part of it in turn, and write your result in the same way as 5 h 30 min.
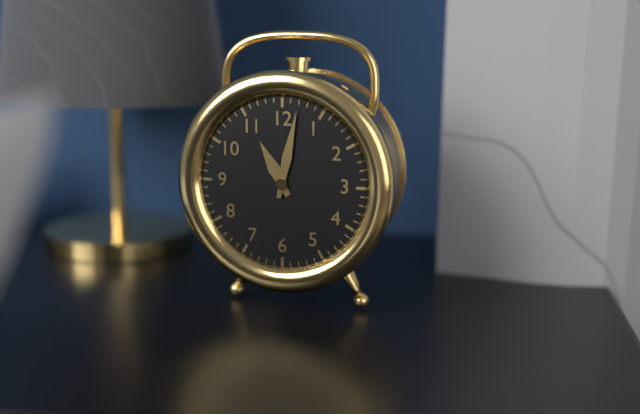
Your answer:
11 h 02 min
